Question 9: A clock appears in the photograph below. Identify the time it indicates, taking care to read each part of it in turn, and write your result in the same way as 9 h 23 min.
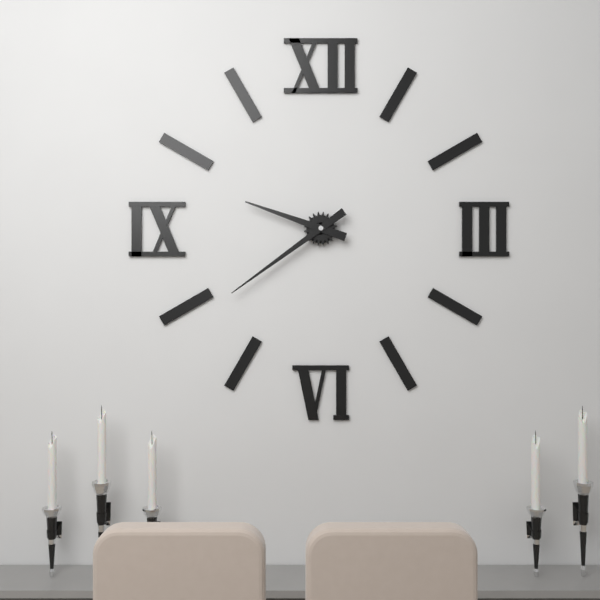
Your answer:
9 h 39 min
